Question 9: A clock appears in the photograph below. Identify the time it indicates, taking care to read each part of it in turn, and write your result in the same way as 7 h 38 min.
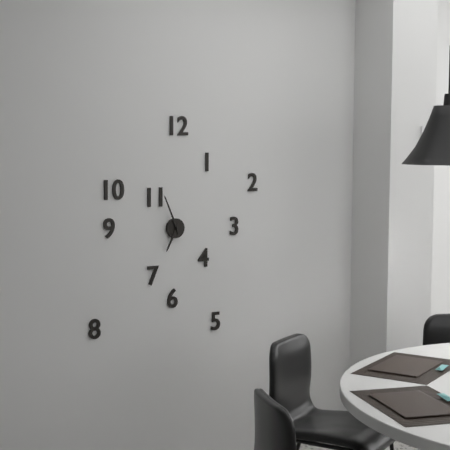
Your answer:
6 h 56 min
